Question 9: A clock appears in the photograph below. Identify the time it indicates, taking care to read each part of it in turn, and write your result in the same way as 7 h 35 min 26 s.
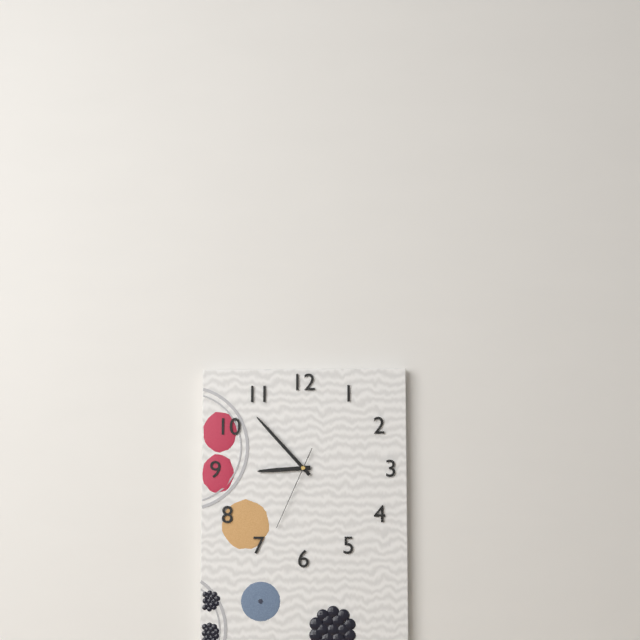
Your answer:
8 h 53 min 34 s
